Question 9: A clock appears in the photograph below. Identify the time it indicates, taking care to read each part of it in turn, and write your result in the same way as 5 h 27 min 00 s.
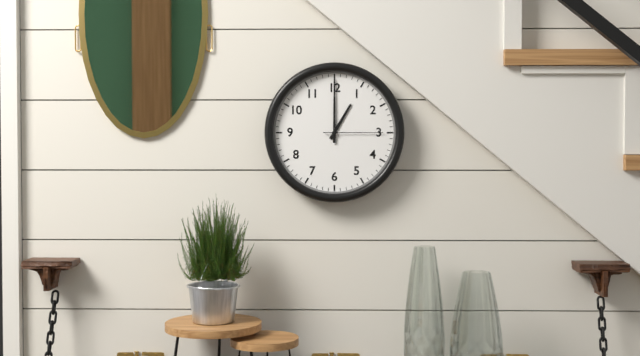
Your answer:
1 h 00 min 15 s
